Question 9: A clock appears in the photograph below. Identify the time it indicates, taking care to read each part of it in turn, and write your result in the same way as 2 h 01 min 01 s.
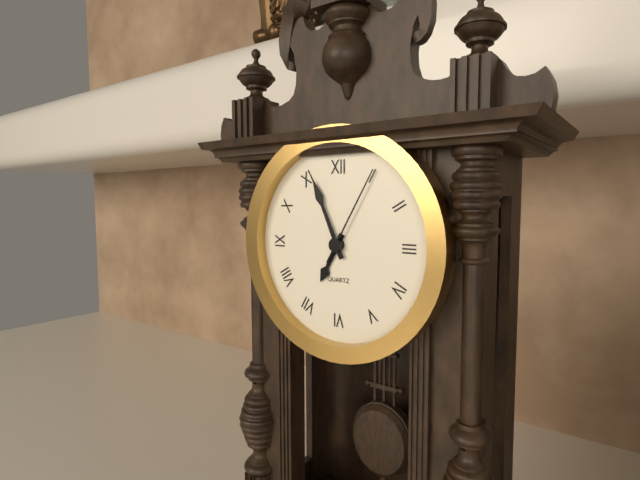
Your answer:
6 h 56 min 05 s
